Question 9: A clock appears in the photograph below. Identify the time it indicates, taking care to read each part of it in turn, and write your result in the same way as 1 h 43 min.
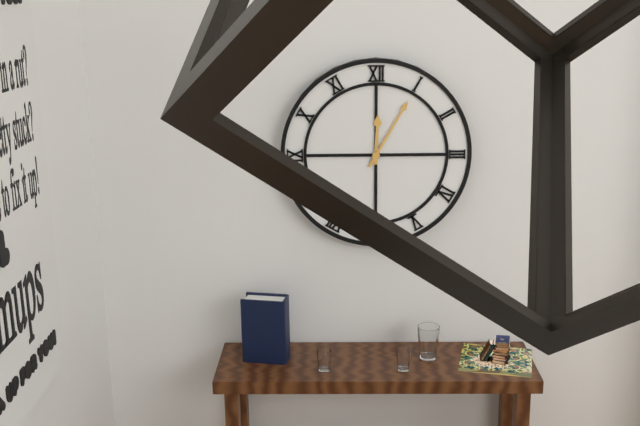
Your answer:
12 h 05 min
